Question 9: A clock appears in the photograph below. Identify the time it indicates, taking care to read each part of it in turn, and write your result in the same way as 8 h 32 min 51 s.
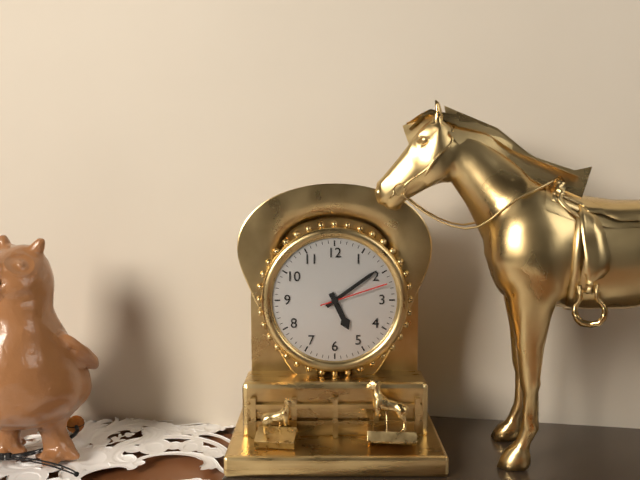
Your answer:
5 h 09 min 12 s
